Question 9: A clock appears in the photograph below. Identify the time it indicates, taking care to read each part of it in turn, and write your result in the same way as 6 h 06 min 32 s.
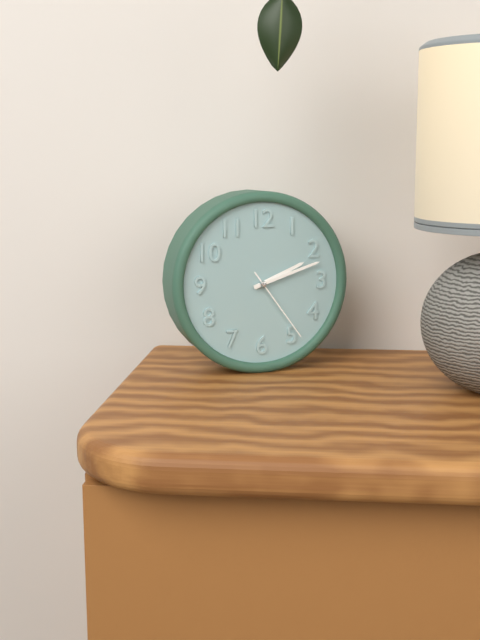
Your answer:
2 h 12 min 24 s
